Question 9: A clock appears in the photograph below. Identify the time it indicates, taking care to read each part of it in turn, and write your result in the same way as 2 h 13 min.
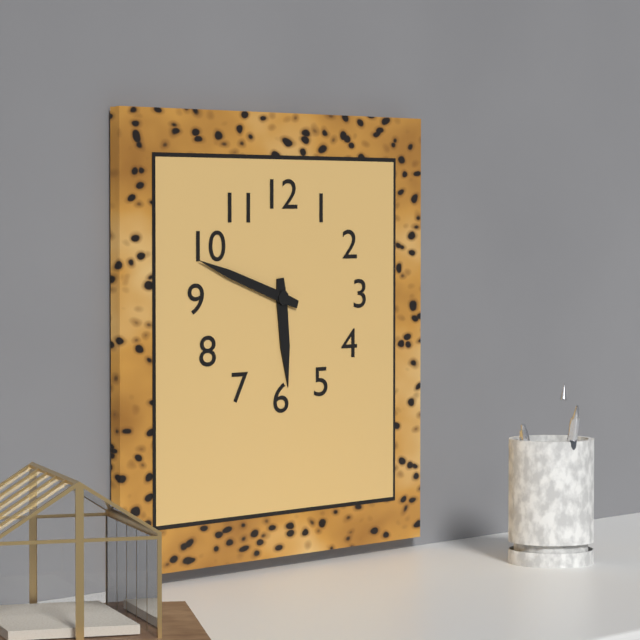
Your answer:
5 h 48 min
